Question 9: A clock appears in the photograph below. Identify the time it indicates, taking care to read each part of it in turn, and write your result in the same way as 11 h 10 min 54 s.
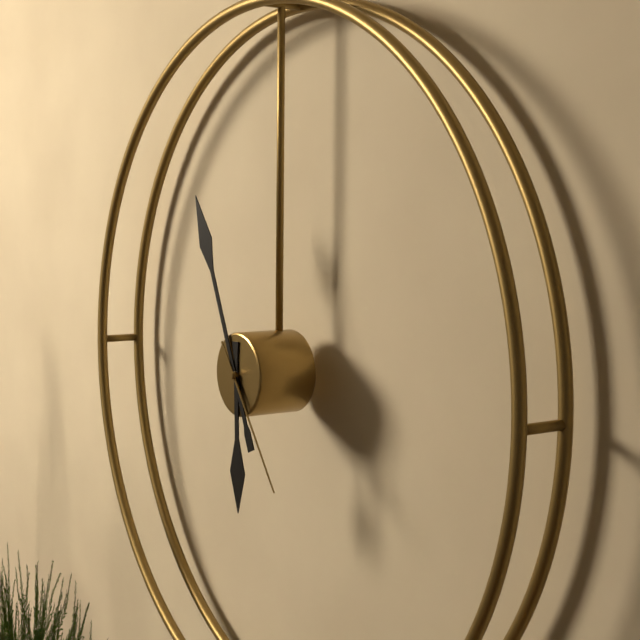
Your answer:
5 h 56 min 24 s
